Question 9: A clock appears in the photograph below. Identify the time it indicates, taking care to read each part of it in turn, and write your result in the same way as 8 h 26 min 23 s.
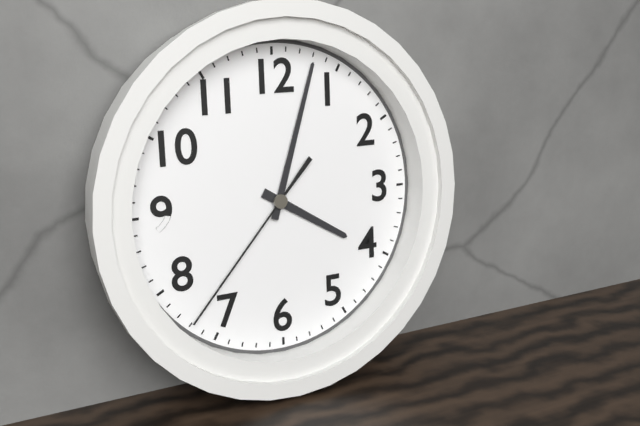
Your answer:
4 h 03 min 37 s
